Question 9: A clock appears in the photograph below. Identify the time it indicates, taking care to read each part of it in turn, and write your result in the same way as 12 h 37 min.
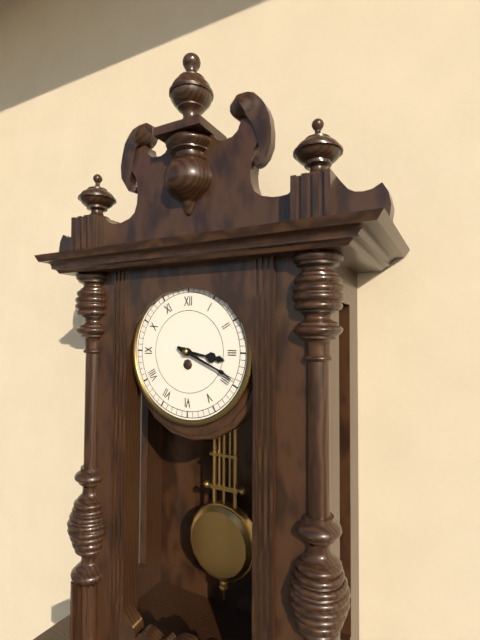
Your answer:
3 h 19 min
